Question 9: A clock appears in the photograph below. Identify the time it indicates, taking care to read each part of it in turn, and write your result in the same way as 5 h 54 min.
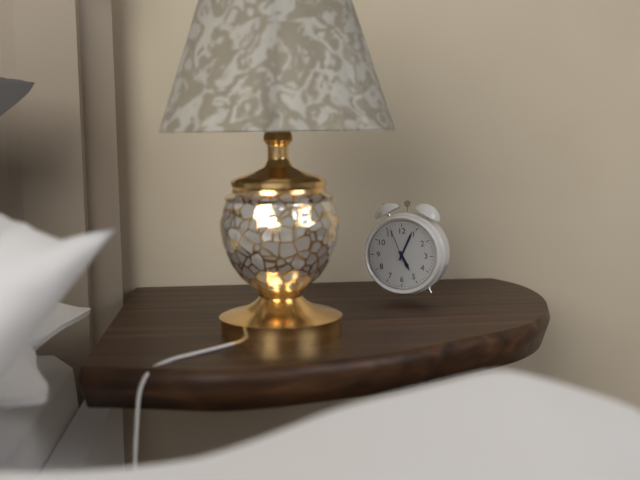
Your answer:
5 h 04 min
